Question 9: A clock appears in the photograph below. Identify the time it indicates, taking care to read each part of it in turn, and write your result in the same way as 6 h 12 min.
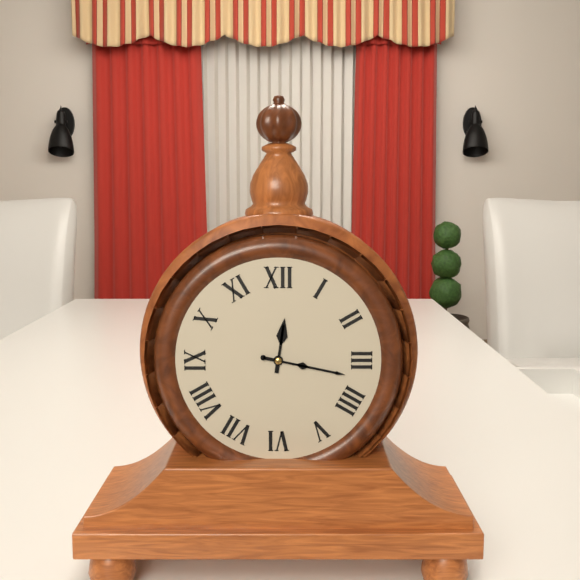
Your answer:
12 h 17 min
